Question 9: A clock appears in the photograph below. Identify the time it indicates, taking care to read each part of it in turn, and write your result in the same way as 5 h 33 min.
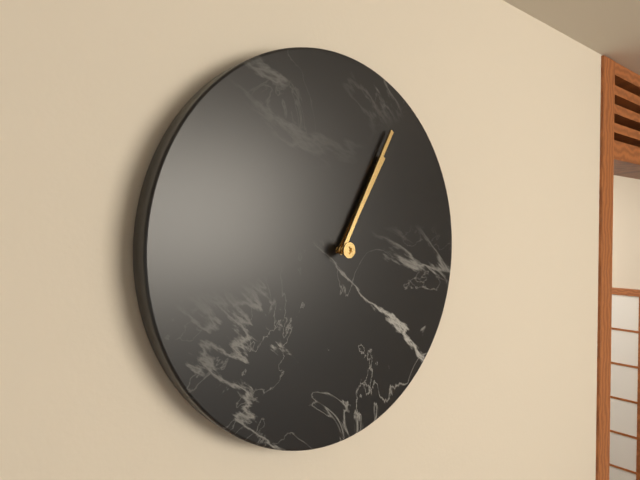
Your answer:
1 h 05 min
